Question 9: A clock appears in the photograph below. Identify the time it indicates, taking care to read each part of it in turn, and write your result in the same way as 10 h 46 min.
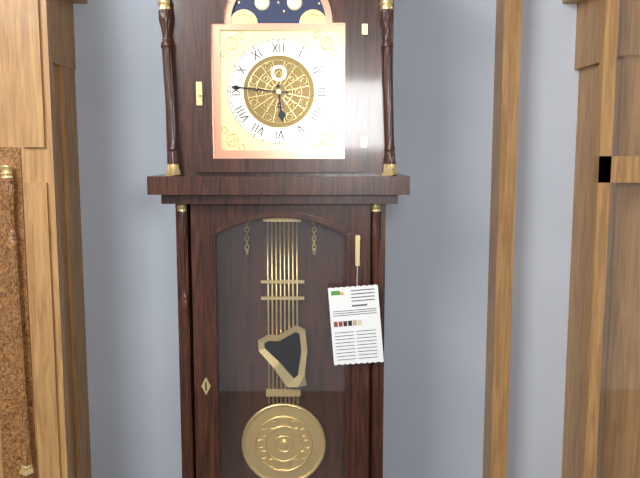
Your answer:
5 h 46 min
